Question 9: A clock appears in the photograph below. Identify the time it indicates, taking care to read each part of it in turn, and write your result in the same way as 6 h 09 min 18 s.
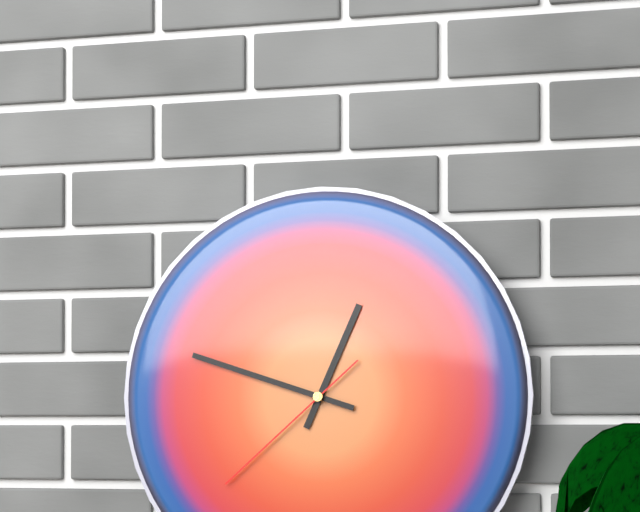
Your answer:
12 h 48 min 38 s
